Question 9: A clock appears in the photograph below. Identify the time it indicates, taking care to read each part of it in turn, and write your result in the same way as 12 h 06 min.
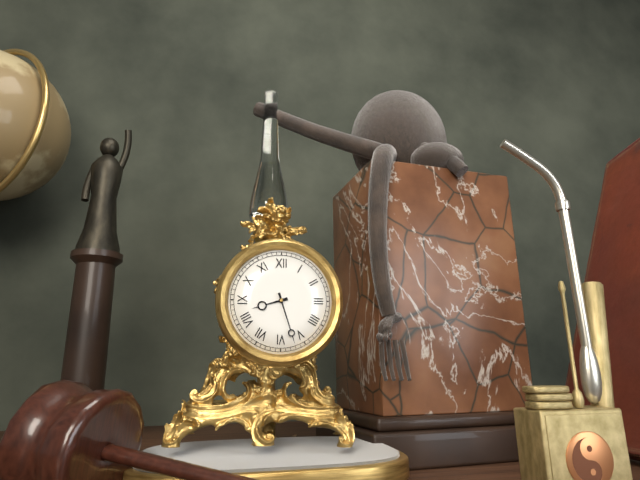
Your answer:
8 h 27 min
